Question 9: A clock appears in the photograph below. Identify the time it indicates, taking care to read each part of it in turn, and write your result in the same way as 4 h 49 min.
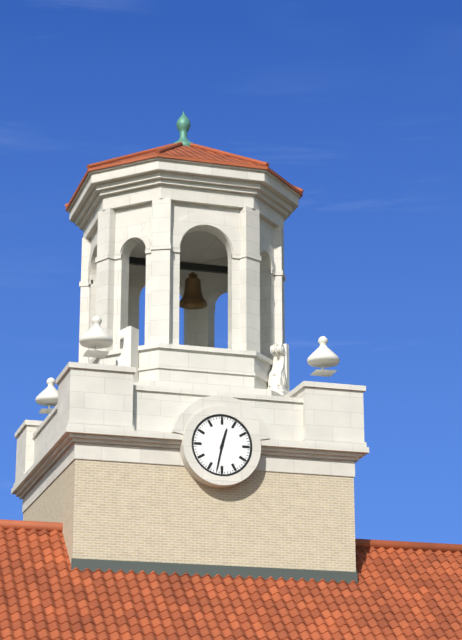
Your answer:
12 h 32 min
